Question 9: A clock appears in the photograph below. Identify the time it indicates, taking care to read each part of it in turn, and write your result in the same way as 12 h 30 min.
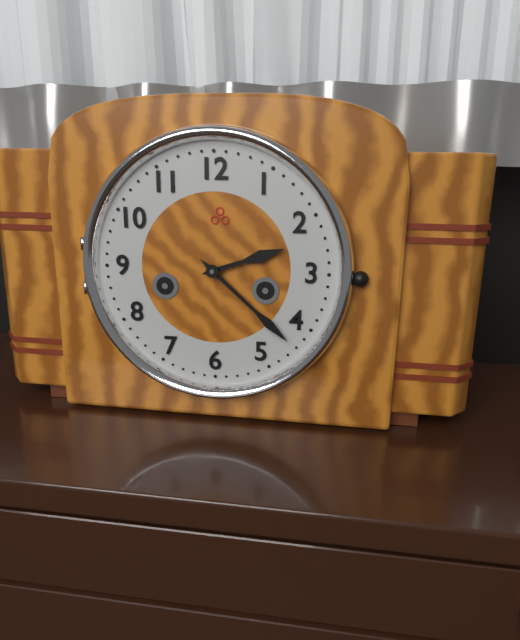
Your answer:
2 h 22 min
